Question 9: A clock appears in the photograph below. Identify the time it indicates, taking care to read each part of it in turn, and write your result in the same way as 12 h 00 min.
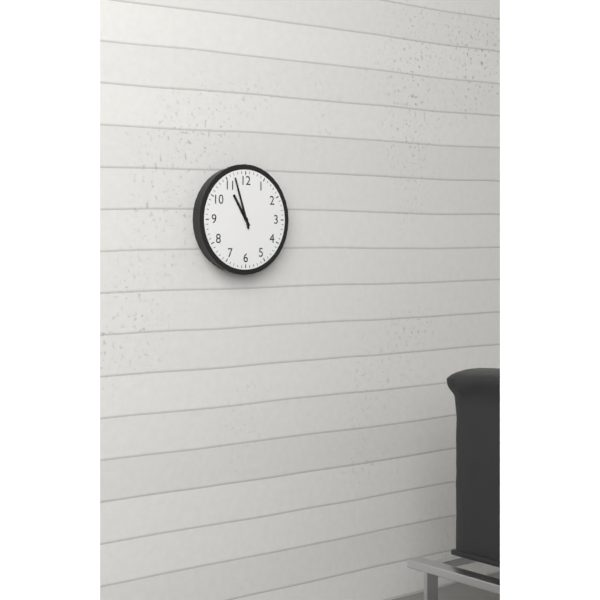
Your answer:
10 h 57 min
